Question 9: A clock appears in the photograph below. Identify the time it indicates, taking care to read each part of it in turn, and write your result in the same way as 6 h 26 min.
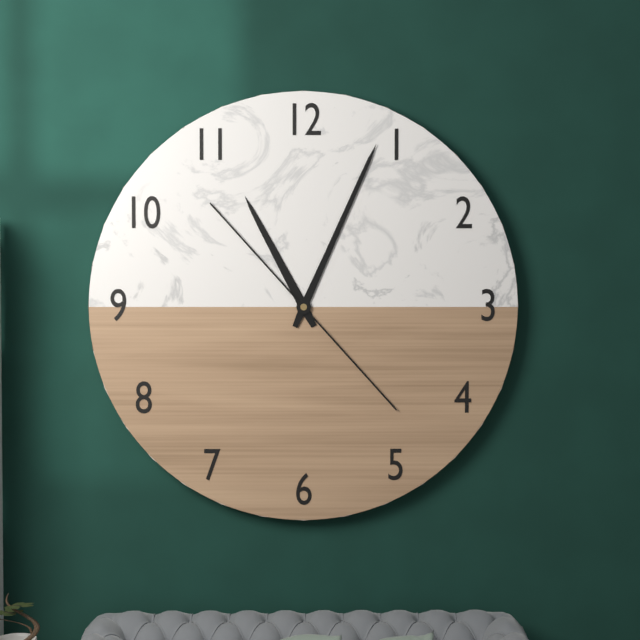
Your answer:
11 h 04 min
